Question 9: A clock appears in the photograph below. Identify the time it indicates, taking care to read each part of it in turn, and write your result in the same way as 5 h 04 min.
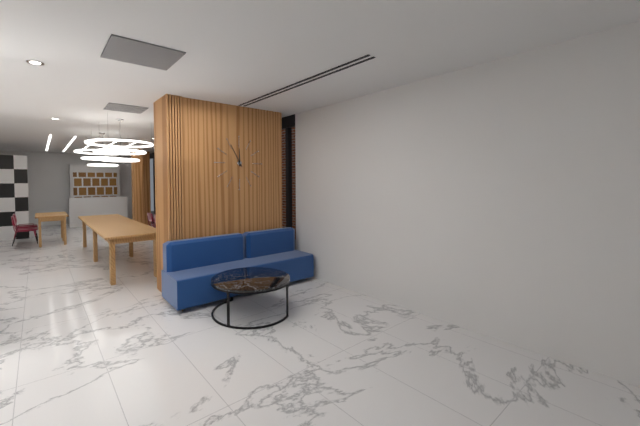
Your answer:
11 h 55 min
